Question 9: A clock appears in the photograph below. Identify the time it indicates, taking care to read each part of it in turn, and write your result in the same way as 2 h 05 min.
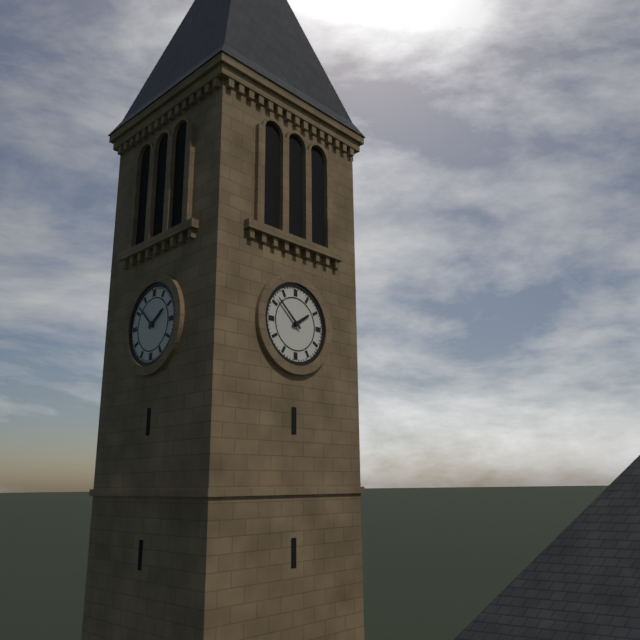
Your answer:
1 h 52 min
